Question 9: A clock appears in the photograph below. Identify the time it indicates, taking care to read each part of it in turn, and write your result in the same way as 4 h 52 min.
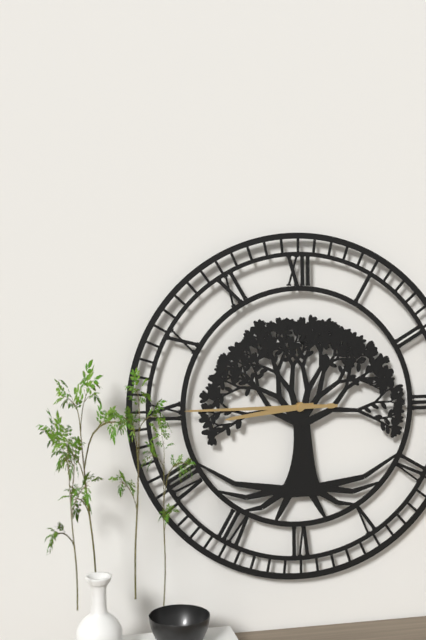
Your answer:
8 h 45 min
